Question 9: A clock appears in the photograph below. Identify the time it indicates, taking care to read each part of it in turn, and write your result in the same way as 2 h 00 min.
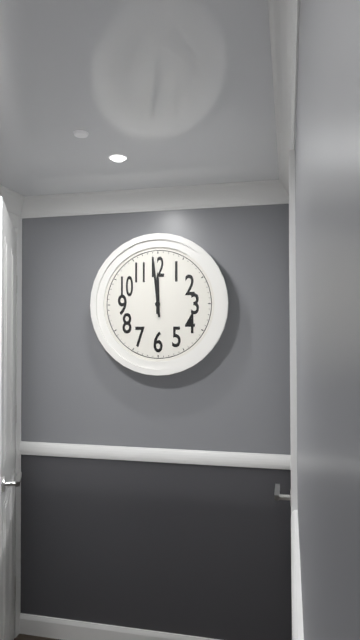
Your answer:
11 h 59 min
